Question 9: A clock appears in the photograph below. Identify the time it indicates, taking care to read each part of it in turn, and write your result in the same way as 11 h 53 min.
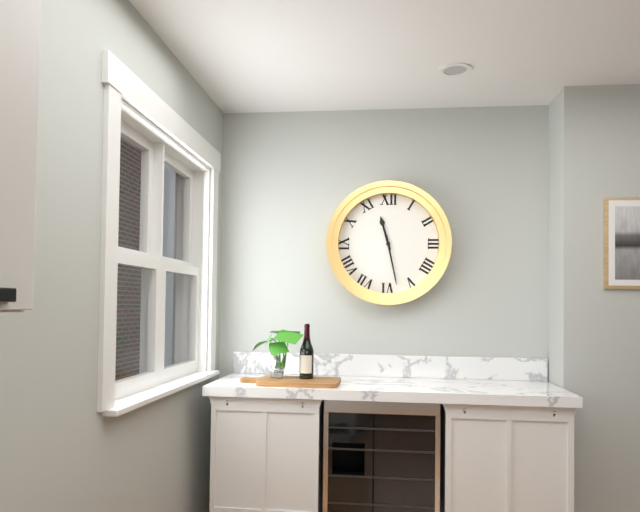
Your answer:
11 h 28 min
